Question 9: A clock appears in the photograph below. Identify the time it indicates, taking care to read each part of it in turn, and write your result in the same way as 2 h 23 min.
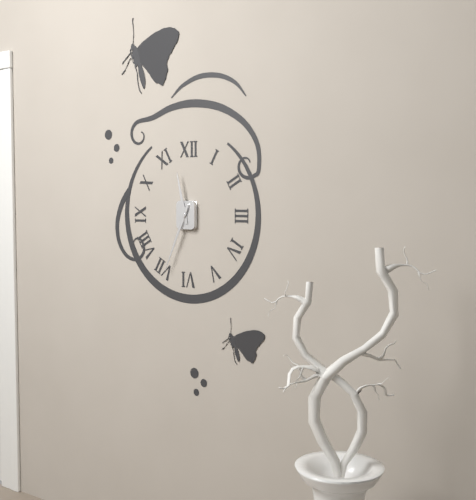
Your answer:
11 h 34 min
